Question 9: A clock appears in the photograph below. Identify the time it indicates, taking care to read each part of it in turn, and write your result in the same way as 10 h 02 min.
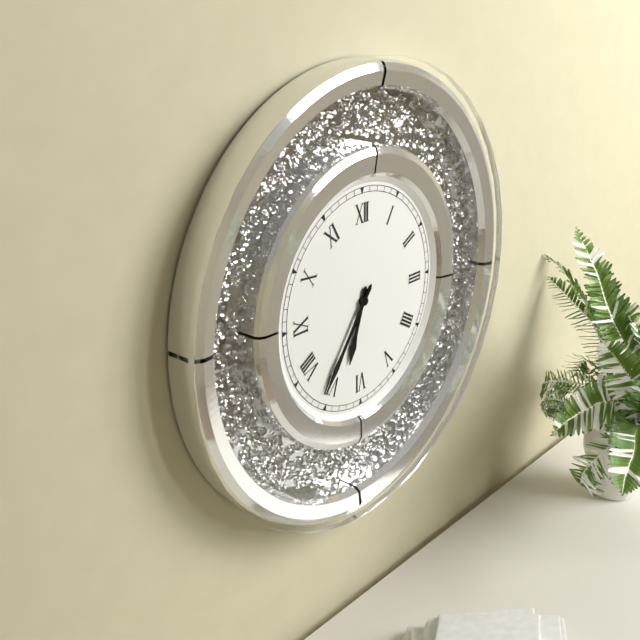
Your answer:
6 h 36 min
